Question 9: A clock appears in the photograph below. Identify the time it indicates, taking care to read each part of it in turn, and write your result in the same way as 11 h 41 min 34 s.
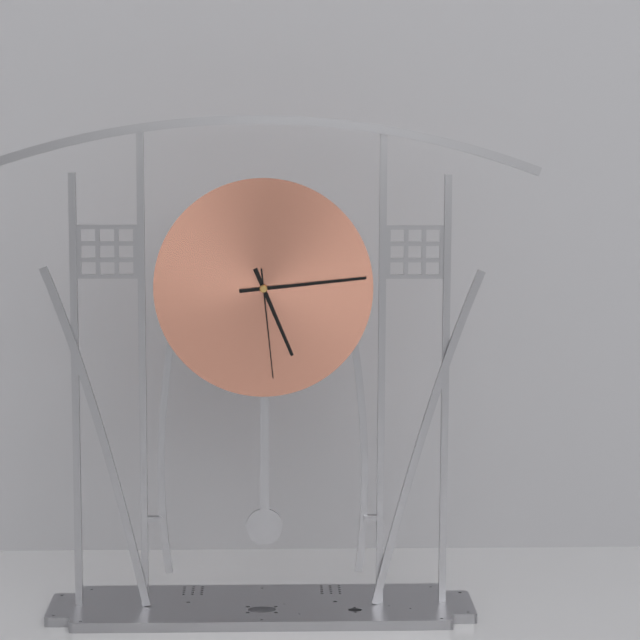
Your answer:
5 h 14 min 29 s
